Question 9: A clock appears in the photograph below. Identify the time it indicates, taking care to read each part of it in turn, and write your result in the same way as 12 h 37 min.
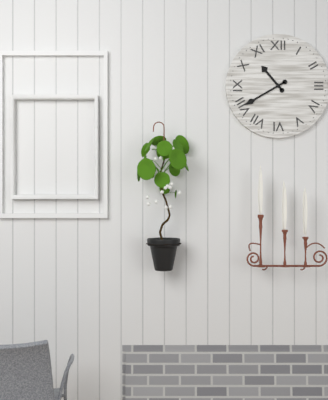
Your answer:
10 h 40 min
